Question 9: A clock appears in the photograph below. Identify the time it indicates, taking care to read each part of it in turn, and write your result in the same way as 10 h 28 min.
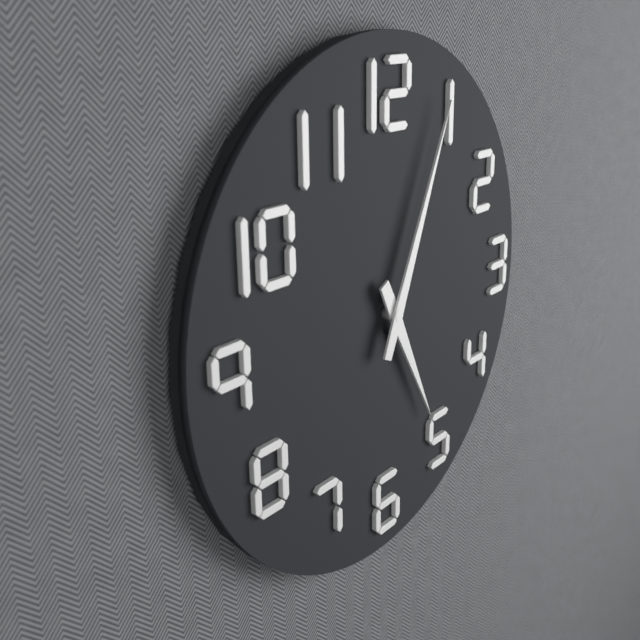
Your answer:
5 h 04 min
